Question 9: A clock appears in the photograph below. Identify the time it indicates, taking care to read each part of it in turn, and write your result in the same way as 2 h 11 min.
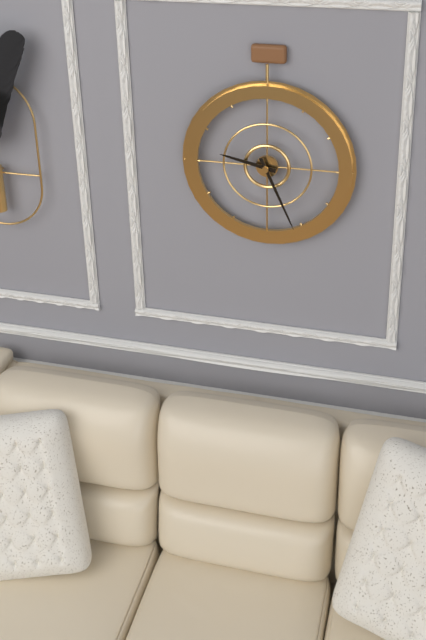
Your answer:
9 h 26 min
